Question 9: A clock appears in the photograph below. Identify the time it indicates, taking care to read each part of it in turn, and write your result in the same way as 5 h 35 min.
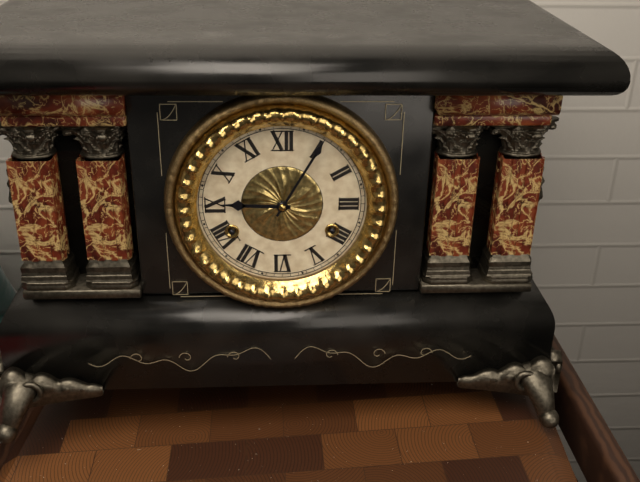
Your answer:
9 h 05 min
